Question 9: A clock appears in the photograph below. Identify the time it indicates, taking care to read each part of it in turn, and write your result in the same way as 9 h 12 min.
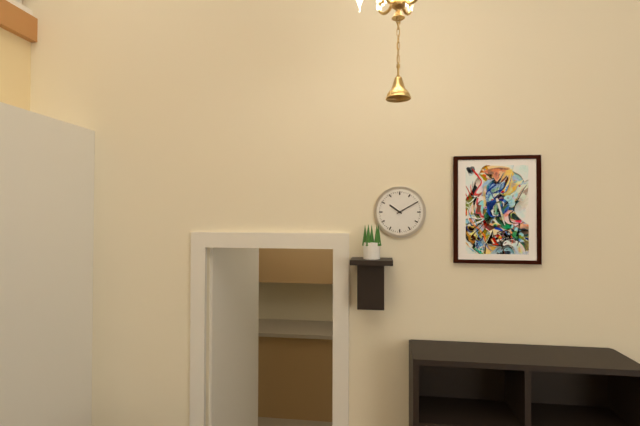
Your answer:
10 h 10 min
